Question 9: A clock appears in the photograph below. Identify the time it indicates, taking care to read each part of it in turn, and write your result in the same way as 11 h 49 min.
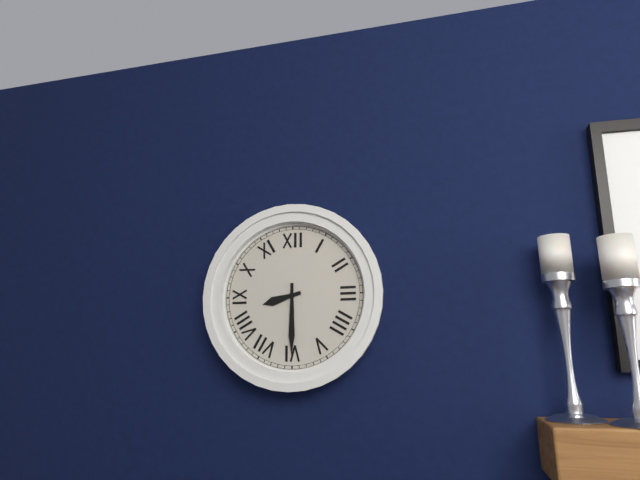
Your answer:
8 h 30 min
